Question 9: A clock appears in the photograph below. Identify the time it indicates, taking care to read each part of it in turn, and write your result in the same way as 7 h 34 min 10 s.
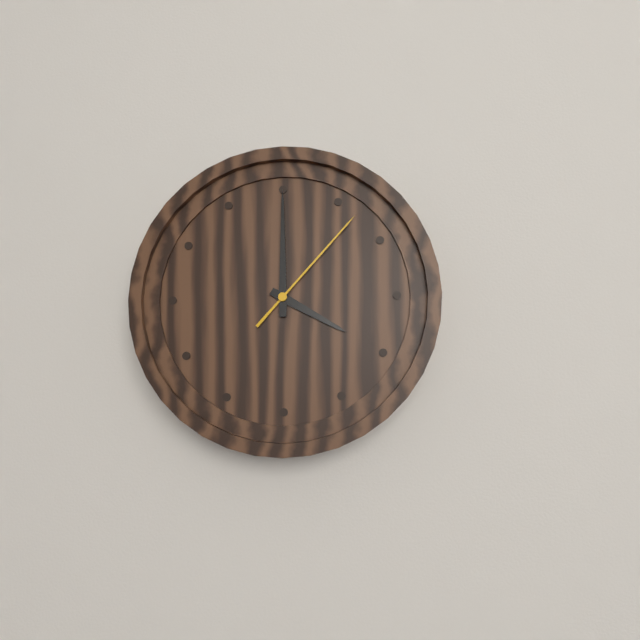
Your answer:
4 h 00 min 07 s
